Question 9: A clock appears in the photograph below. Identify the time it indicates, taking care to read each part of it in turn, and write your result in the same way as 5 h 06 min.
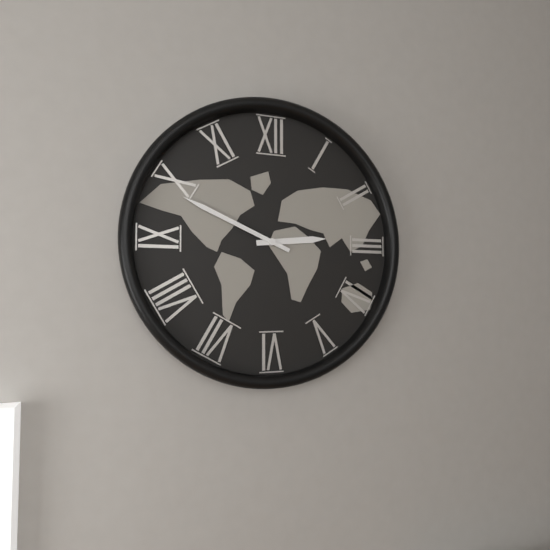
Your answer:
2 h 49 min
